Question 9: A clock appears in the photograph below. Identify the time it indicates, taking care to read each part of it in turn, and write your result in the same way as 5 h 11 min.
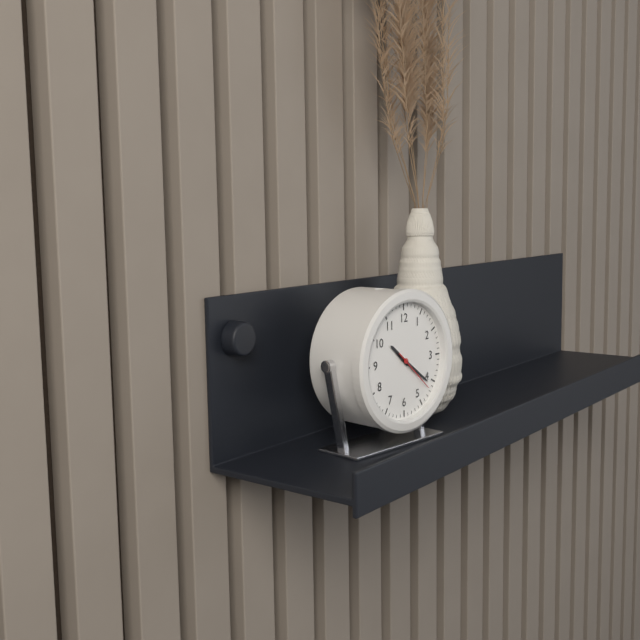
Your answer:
10 h 21 min
